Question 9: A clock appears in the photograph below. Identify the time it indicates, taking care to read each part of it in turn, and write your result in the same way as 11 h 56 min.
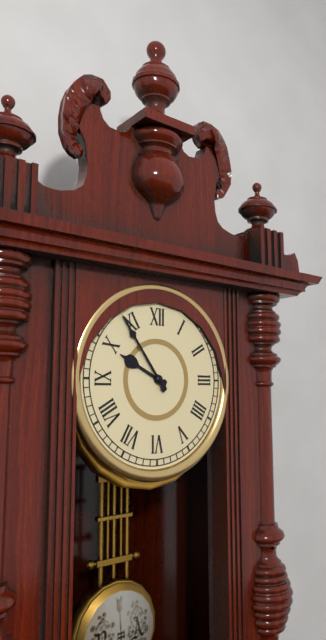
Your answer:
9 h 54 min
